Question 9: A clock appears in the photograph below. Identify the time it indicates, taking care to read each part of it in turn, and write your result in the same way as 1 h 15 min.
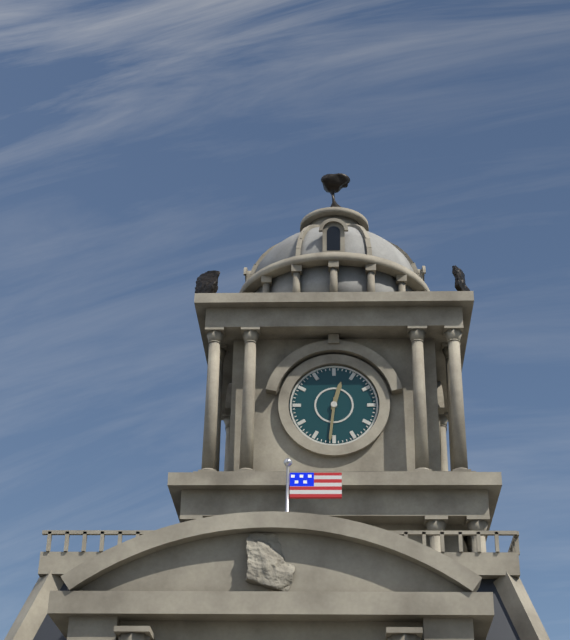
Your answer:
12 h 31 min
